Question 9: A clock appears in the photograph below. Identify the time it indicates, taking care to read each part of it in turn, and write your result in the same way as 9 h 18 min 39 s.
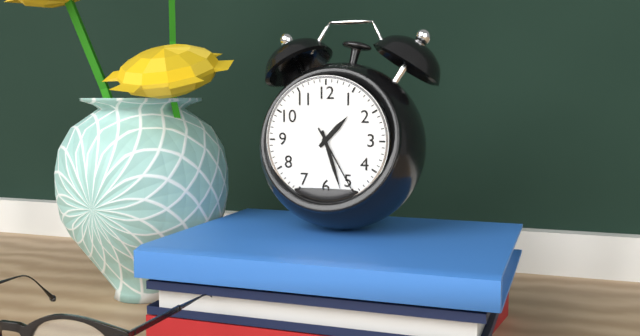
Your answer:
1 h 27 min 25 s
